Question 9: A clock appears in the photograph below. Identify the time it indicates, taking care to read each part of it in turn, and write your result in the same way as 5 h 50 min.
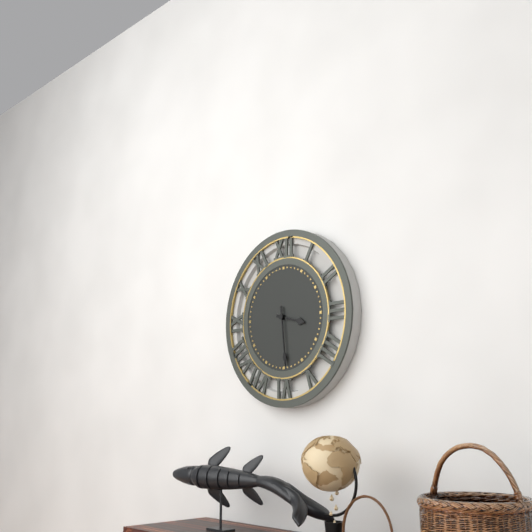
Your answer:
3 h 29 min
